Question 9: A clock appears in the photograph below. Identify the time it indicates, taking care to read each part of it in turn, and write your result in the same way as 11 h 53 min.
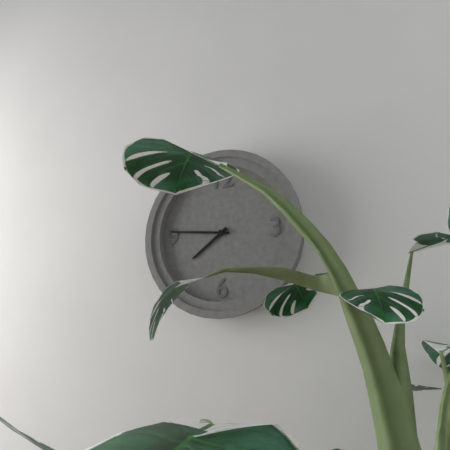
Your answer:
7 h 46 min
